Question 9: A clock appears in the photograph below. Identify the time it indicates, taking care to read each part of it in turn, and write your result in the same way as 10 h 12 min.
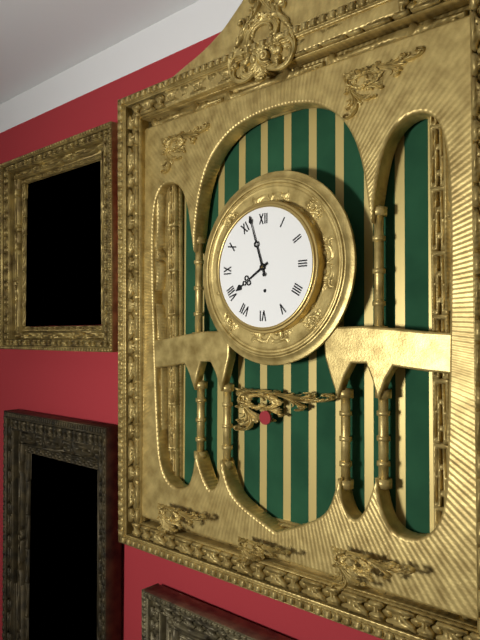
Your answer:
7 h 57 min
